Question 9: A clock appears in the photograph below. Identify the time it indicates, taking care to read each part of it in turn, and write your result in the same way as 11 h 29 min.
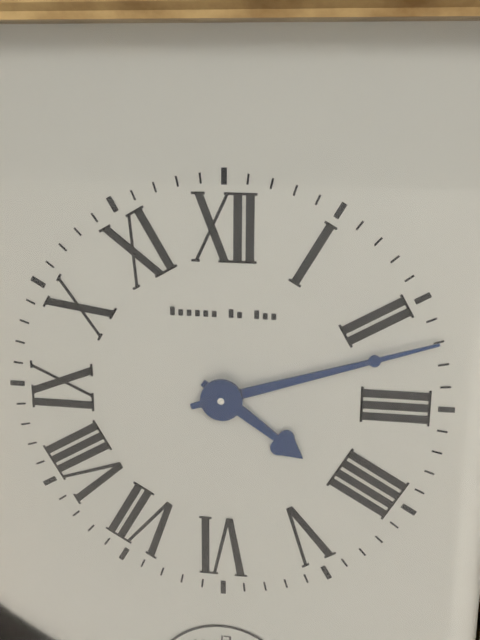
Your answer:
4 h 12 min
